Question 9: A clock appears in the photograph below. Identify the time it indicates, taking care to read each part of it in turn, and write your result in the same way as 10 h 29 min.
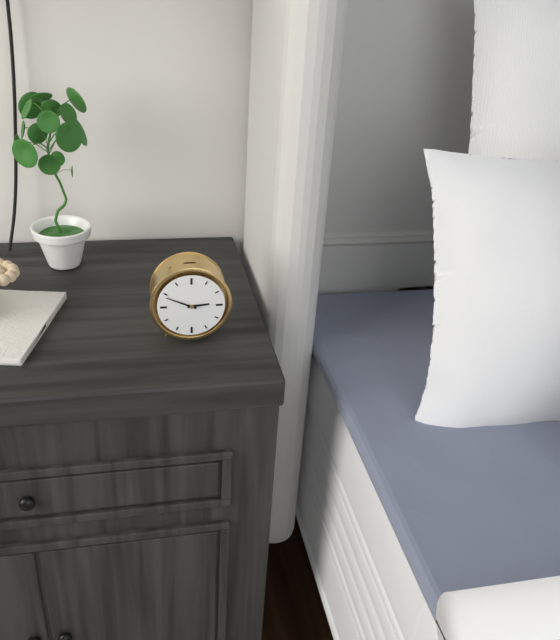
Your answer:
2 h 49 min
